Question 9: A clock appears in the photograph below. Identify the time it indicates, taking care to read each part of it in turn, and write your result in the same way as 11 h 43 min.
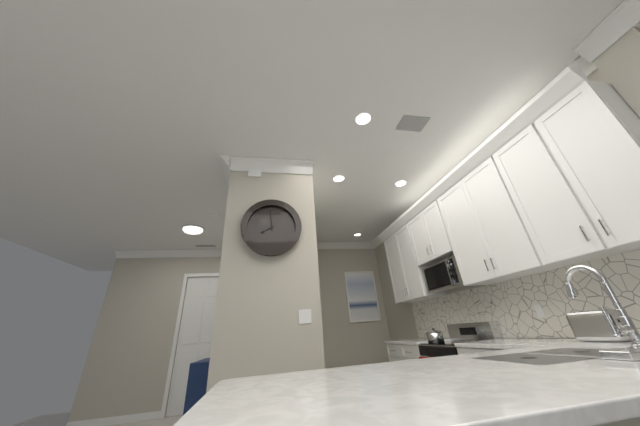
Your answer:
7 h 59 min
